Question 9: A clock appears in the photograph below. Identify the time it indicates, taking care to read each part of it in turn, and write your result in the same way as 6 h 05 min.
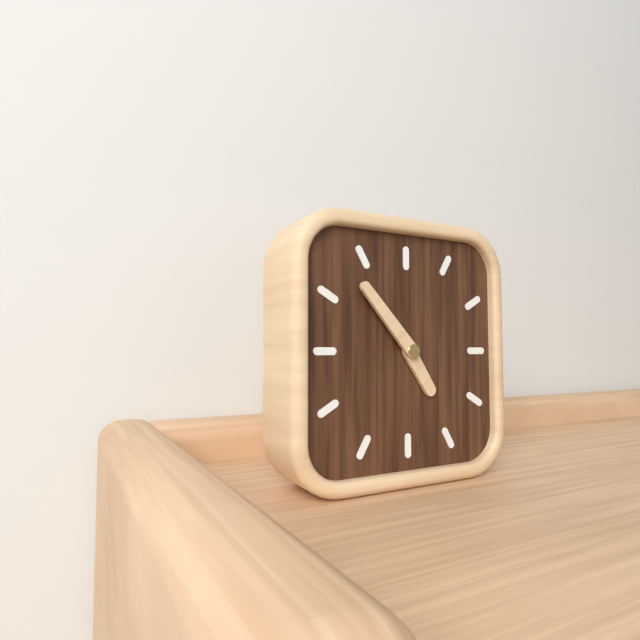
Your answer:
4 h 53 min
